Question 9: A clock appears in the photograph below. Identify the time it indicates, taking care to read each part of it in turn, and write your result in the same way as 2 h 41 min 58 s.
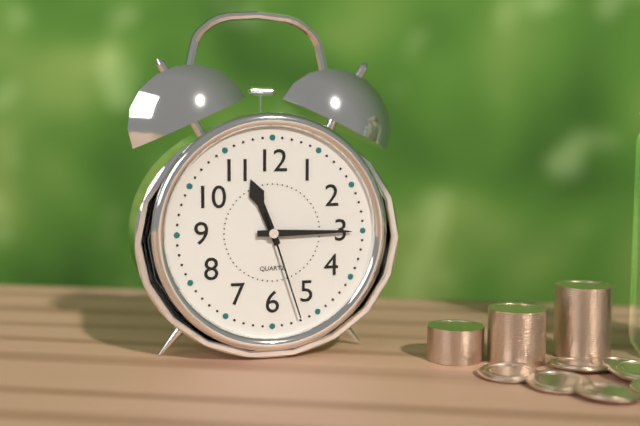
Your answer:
11 h 15 min 27 s
